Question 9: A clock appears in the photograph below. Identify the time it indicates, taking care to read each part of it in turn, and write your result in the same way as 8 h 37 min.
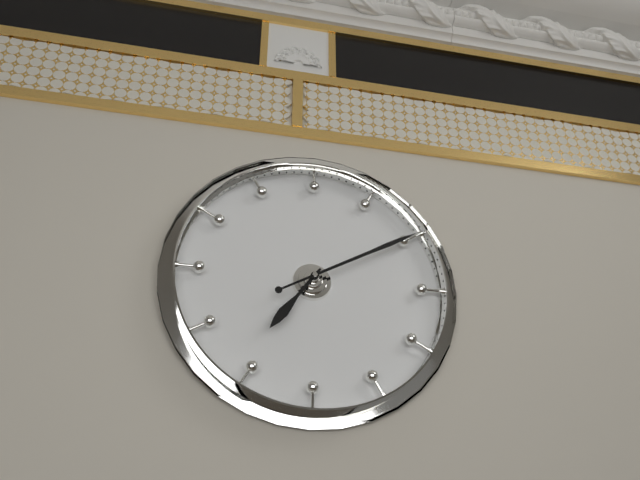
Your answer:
7 h 10 min
